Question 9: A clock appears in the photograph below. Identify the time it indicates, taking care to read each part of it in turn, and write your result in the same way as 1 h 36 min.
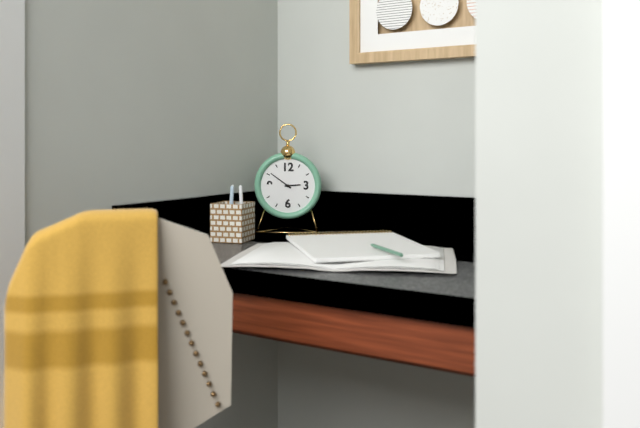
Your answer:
2 h 51 min
